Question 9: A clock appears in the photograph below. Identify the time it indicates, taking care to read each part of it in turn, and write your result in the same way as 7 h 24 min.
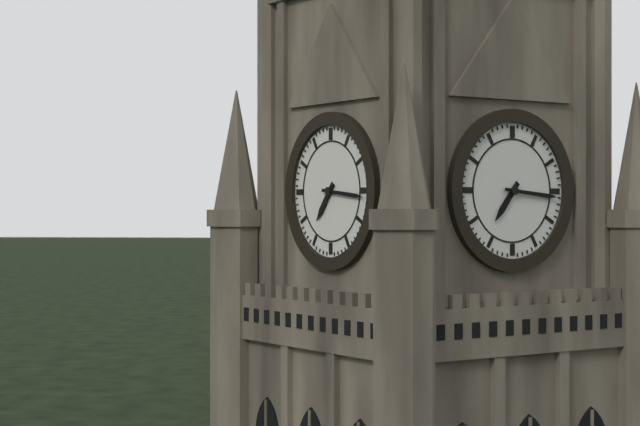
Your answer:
7 h 16 min
